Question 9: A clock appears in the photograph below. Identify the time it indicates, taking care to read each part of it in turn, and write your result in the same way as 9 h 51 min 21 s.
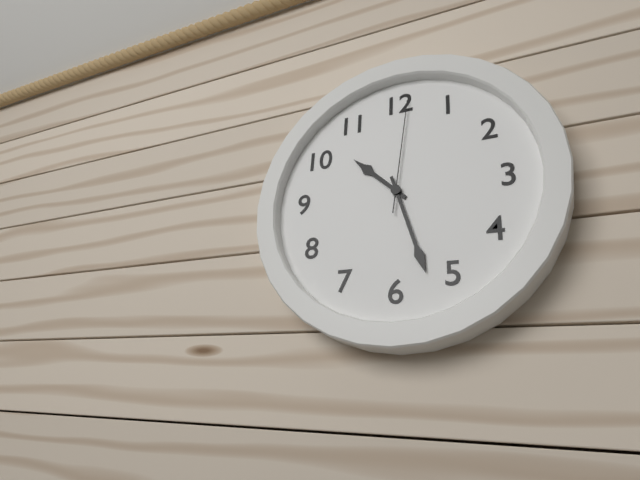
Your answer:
10 h 27 min 01 s
